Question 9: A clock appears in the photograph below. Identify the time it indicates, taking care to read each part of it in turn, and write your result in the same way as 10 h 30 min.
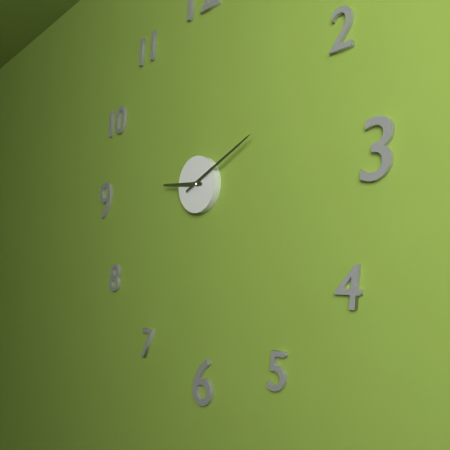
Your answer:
9 h 11 min
